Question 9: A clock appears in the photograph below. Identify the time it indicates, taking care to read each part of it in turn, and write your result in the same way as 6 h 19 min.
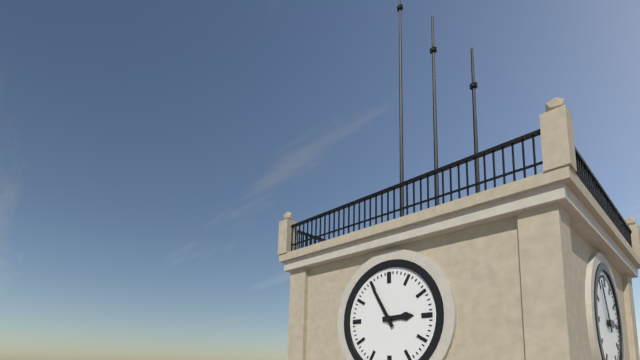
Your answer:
2 h 55 min
